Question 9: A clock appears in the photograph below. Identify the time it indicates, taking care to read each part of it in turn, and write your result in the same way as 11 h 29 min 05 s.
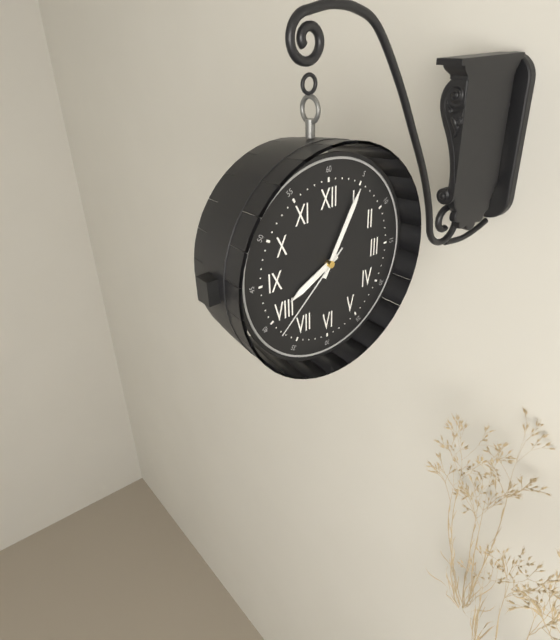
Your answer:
8 h 05 min 38 s
